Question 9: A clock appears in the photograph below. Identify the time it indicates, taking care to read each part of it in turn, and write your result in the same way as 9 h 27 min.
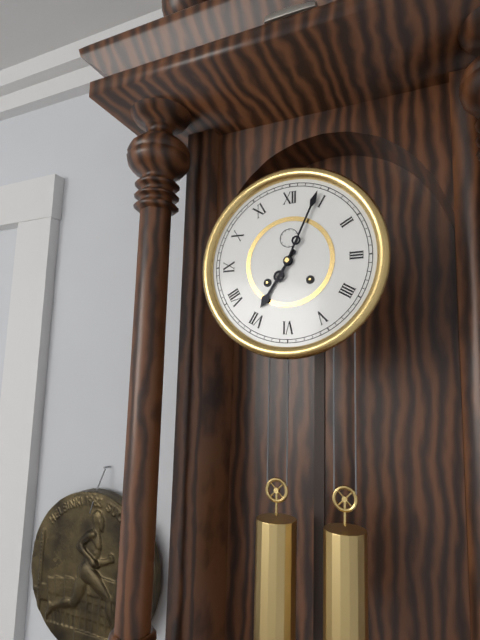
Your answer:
7 h 04 min
